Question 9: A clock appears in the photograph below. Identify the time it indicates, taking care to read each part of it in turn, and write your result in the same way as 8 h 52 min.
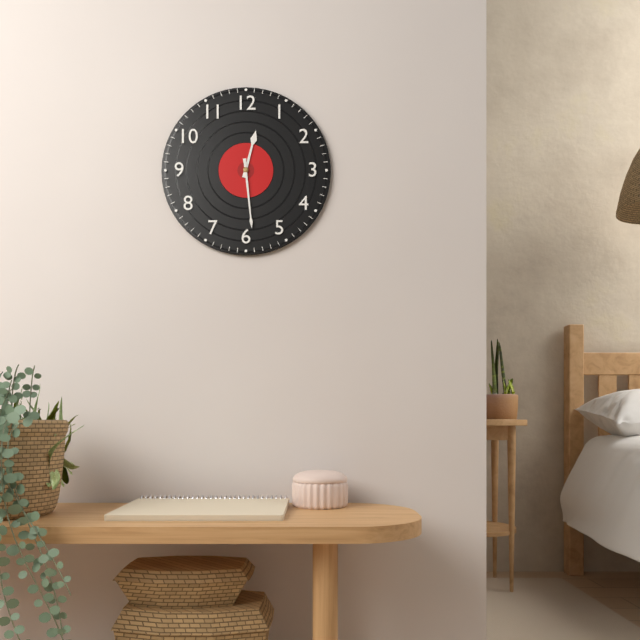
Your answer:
12 h 29 min
